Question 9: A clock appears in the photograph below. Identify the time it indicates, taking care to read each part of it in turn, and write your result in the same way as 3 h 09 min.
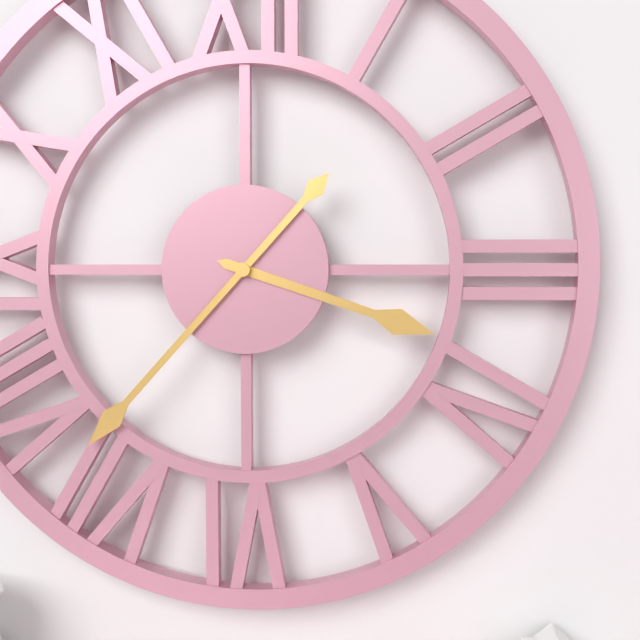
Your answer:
3 h 37 min
